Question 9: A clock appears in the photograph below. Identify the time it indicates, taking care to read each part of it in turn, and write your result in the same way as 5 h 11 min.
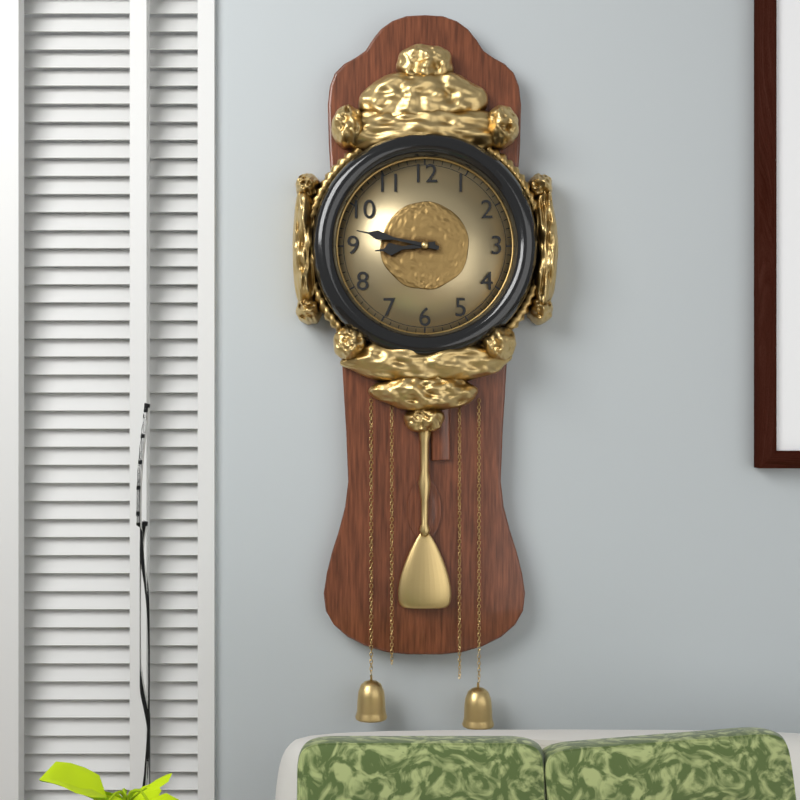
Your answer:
8 h 47 min
